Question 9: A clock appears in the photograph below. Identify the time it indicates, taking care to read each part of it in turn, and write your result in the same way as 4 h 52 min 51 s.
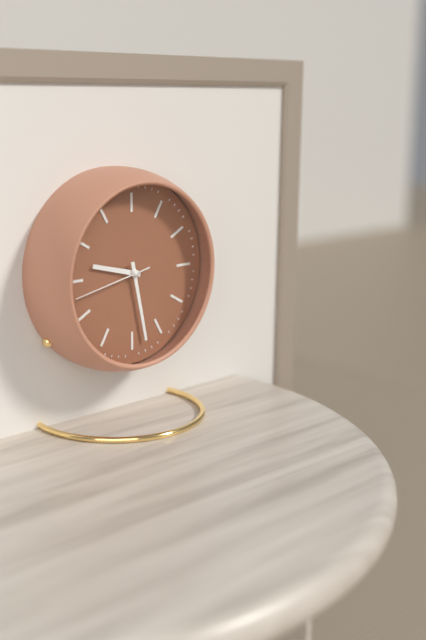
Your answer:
9 h 28 min 43 s
